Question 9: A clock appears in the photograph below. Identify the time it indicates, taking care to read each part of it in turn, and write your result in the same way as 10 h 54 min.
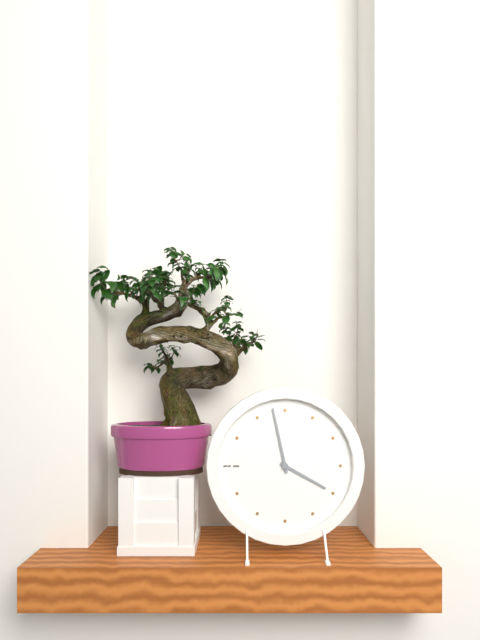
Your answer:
3 h 58 min
